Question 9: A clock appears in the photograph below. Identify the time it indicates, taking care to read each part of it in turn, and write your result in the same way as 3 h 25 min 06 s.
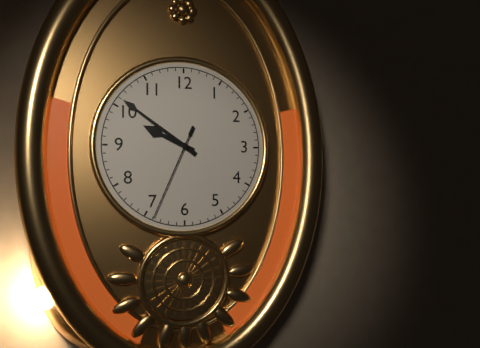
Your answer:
9 h 51 min 34 s
